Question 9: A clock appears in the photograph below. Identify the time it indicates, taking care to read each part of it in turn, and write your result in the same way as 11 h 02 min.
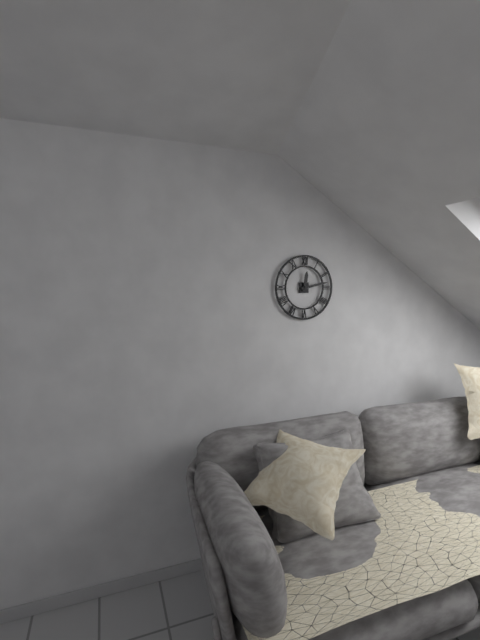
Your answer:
12 h 13 min
